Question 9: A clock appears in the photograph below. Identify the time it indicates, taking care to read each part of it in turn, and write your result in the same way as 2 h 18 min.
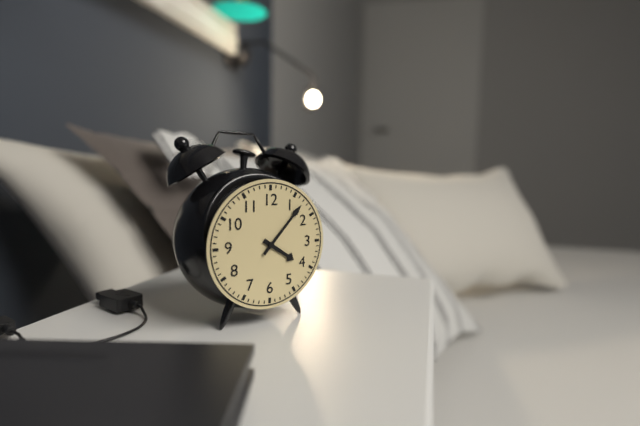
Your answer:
4 h 07 min
